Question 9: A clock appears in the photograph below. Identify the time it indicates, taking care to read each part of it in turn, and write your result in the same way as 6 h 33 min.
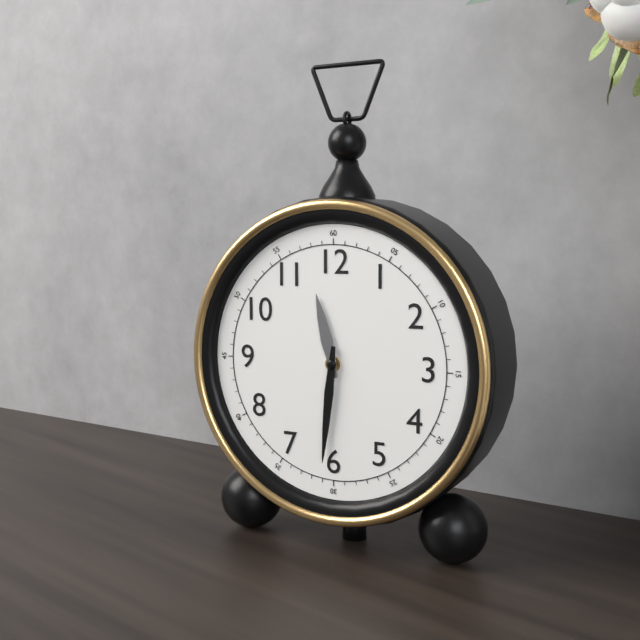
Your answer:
11 h 31 min
